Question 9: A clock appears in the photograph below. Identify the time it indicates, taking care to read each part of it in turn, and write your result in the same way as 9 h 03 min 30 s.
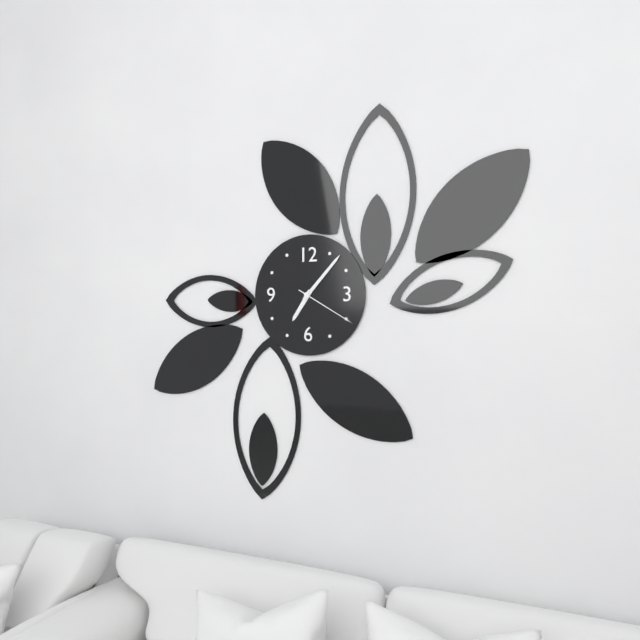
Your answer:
7 h 07 min 20 s
